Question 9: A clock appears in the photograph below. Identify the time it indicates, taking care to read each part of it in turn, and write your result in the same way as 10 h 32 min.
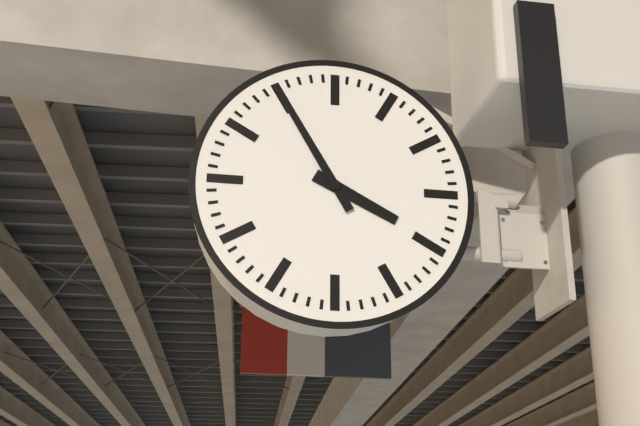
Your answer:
3 h 55 min
